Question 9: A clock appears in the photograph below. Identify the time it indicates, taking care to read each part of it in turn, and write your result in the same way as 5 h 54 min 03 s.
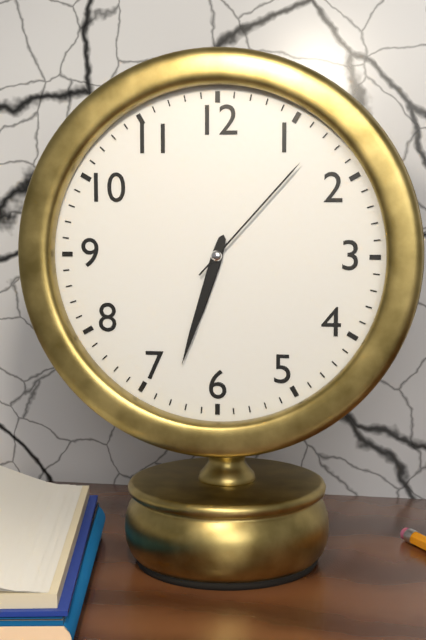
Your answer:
6 h 33 min 07 s
